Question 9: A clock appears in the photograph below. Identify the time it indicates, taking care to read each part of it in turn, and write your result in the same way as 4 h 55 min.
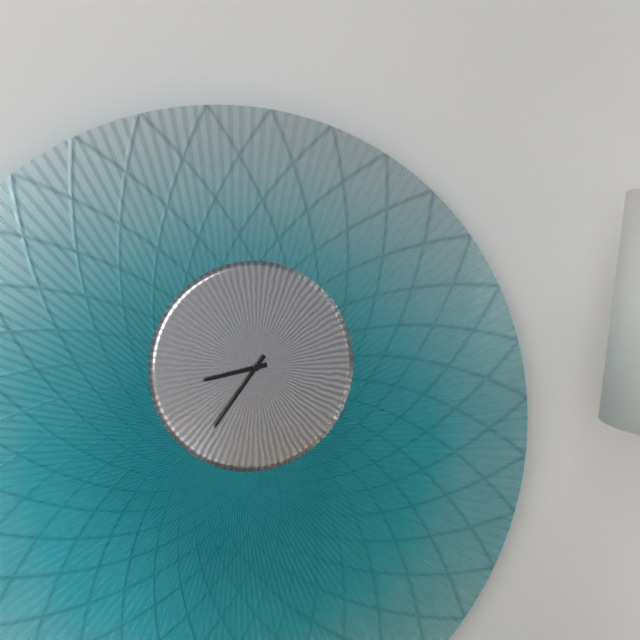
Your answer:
8 h 36 min
